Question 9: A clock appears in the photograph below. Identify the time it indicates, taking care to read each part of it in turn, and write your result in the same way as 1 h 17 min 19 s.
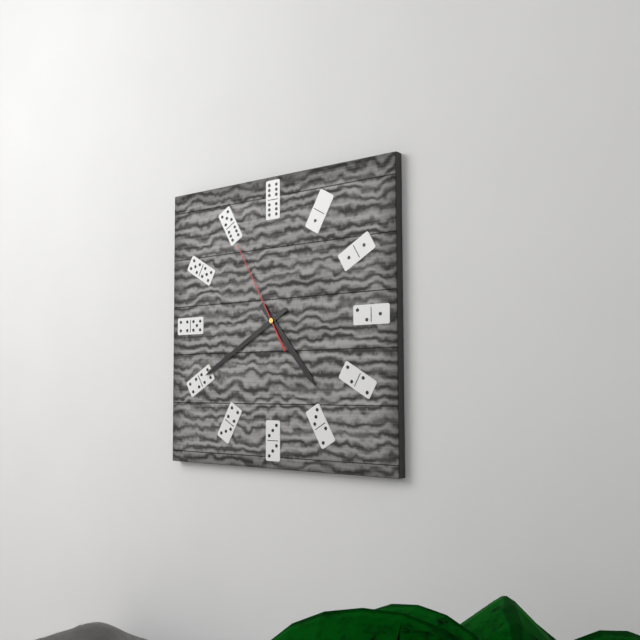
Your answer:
4 h 40 min 55 s
